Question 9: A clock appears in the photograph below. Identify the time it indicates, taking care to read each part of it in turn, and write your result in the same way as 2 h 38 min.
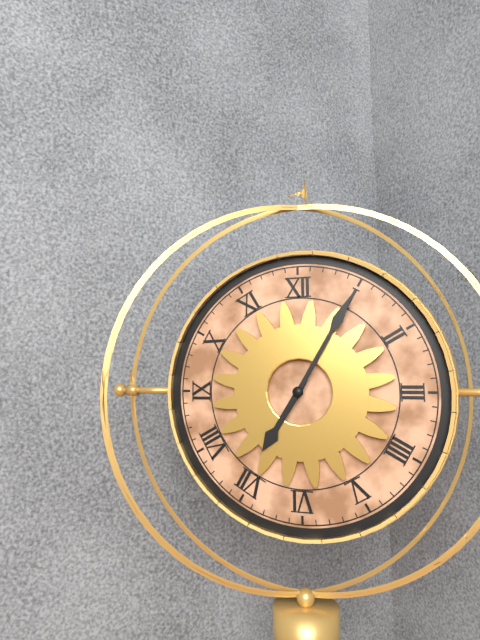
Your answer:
7 h 05 min
